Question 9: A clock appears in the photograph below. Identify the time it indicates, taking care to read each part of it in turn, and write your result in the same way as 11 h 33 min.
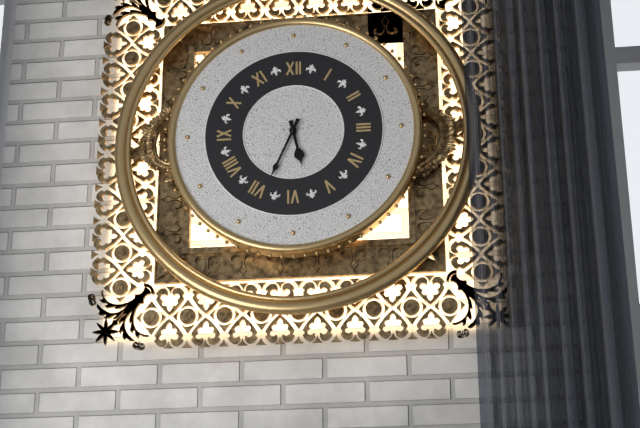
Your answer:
5 h 34 min
